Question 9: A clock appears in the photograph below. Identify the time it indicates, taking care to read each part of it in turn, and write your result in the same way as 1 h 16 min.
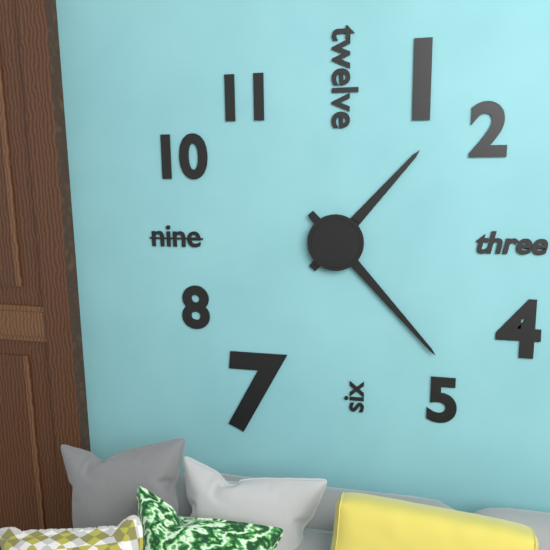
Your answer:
1 h 23 min
